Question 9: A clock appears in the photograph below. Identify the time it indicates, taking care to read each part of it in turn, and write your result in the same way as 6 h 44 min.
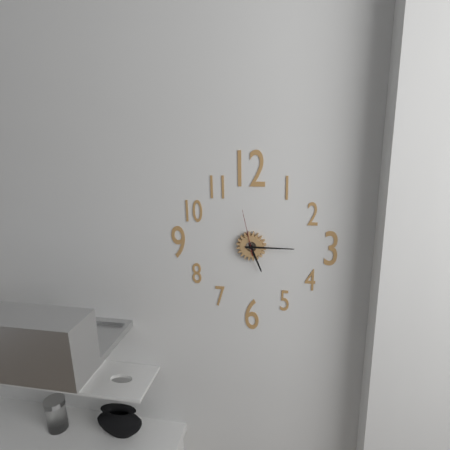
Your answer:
5 h 15 min
